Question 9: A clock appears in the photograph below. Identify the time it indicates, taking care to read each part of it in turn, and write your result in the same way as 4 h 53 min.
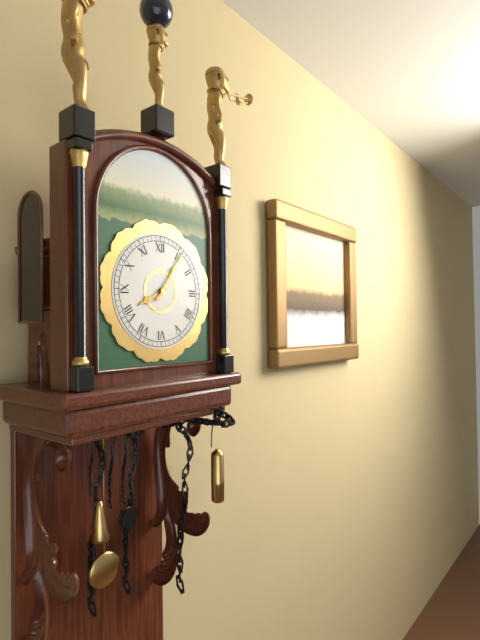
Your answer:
8 h 06 min
